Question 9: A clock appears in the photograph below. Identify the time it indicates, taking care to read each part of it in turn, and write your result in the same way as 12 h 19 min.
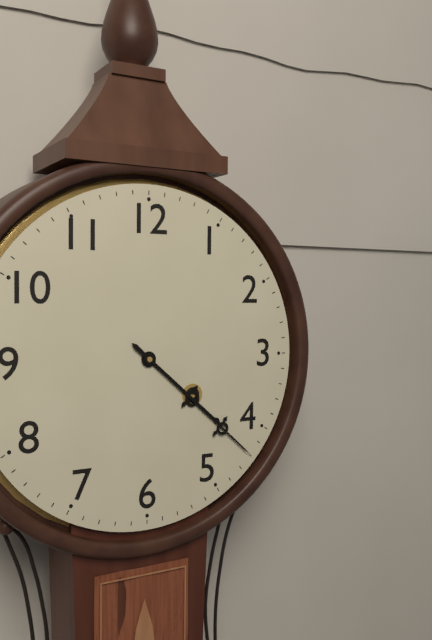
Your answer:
4 h 22 min
